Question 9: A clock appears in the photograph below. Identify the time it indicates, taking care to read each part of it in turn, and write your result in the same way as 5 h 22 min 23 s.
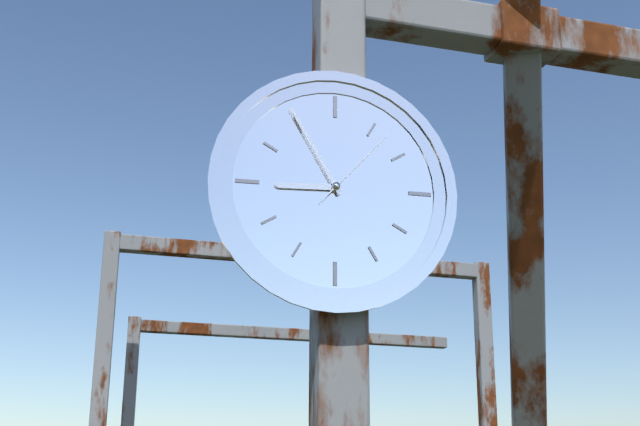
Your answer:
8 h 55 min 07 s
